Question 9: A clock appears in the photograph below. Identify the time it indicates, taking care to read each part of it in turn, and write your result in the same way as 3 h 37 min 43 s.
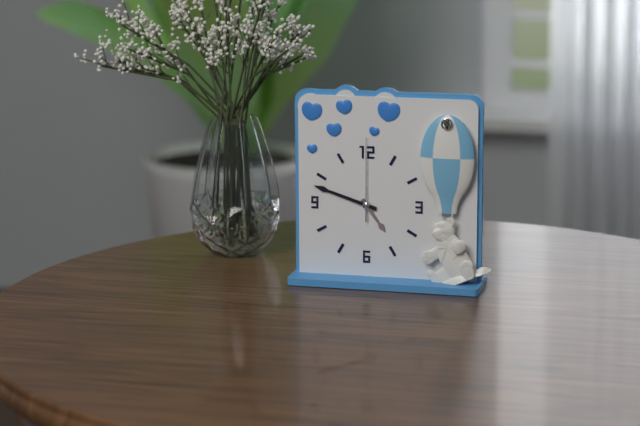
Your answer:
4 h 48 min 00 s
